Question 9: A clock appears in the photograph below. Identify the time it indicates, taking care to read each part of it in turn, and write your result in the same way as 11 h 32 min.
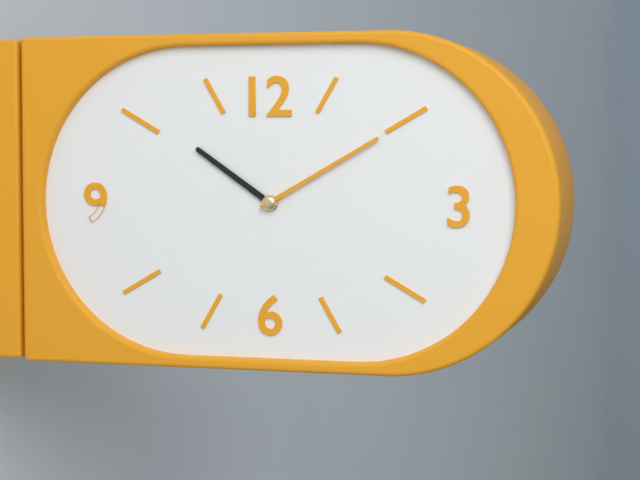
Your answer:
10 h 10 min
